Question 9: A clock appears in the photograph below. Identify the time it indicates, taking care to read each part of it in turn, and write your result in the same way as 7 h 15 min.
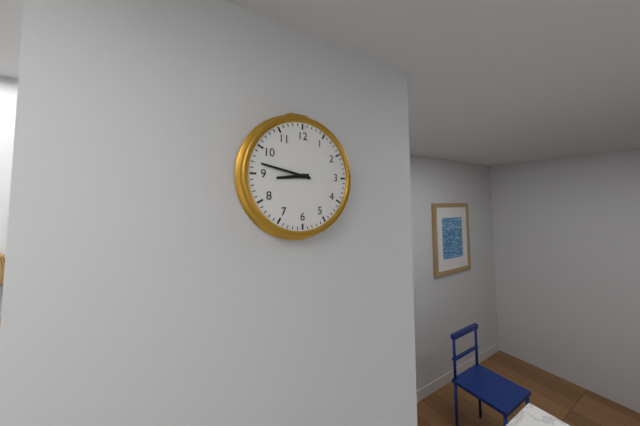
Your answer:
8 h 47 min
